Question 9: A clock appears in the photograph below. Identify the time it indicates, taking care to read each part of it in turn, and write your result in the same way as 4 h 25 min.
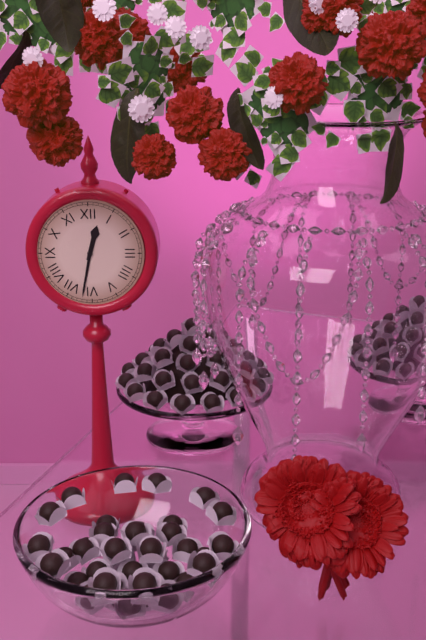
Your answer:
12 h 32 min
